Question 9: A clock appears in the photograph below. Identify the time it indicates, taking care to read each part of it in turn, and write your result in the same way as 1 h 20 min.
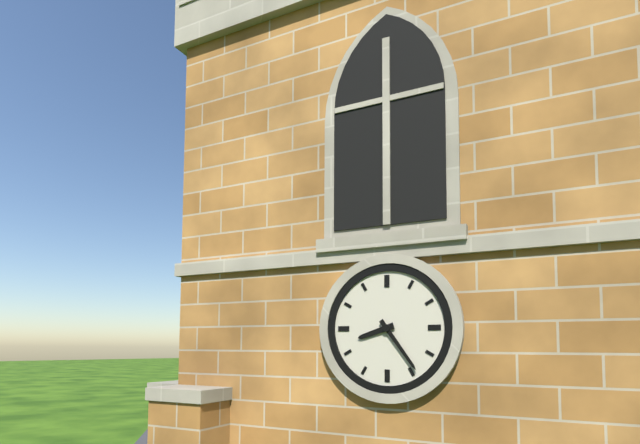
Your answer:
8 h 24 min
